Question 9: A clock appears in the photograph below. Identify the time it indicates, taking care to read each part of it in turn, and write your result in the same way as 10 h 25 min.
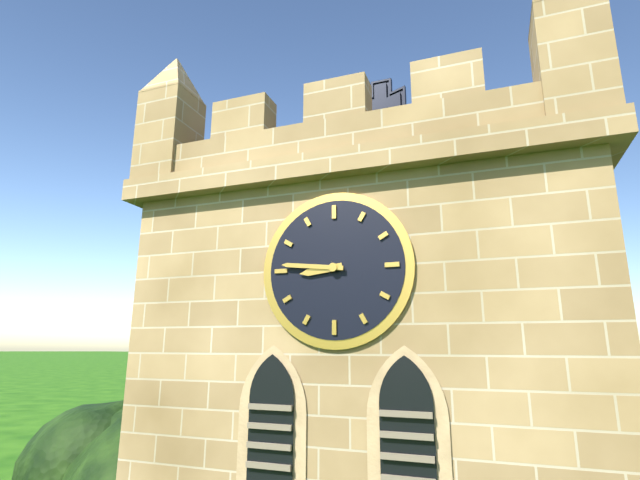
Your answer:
8 h 46 min
